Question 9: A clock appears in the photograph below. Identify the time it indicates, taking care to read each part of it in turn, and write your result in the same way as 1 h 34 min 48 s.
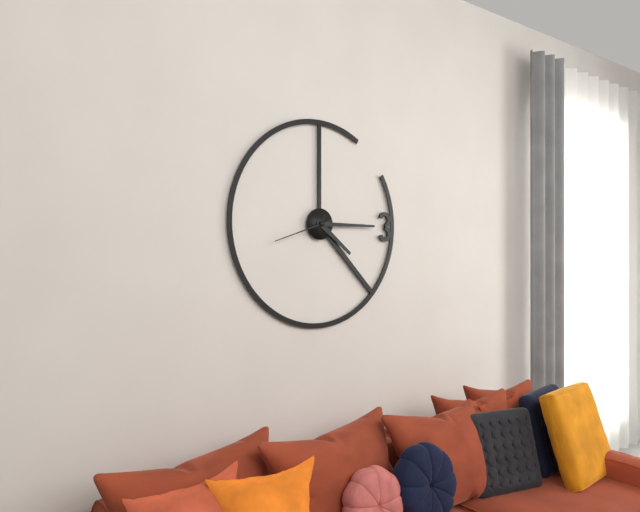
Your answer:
4 h 15 min 42 s
